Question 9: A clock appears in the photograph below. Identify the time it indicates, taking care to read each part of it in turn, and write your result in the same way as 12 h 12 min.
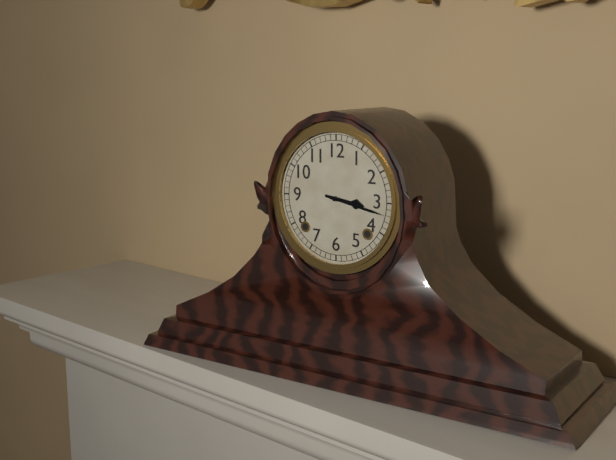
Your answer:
3 h 17 min
